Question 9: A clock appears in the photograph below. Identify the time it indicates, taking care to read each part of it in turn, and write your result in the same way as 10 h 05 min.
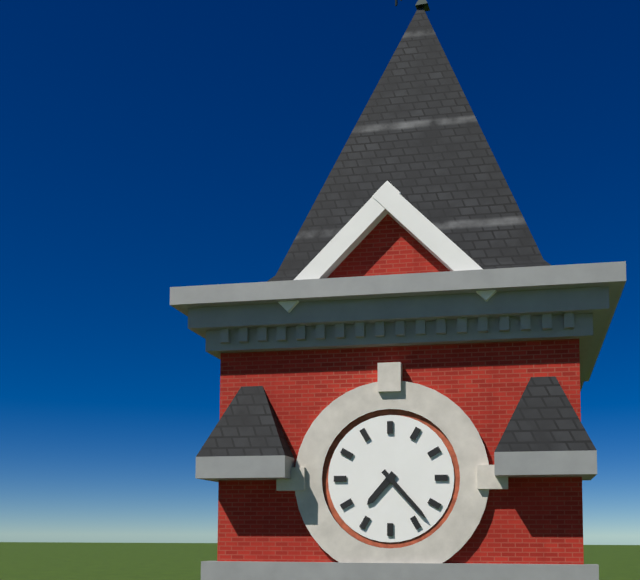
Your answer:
7 h 23 min
